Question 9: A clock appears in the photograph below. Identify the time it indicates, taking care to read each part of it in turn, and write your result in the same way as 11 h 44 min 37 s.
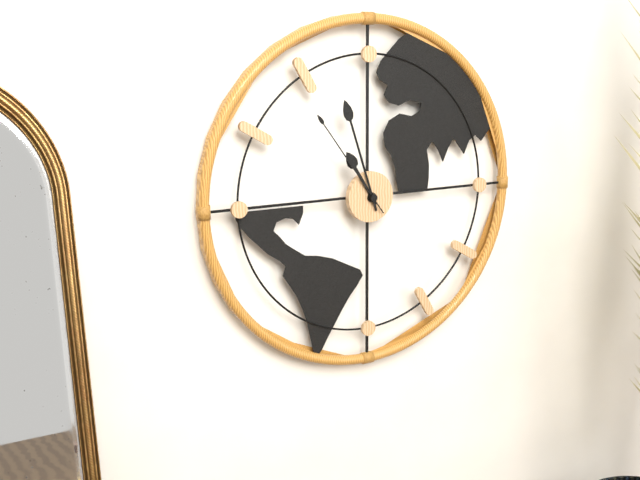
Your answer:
10 h 57 min 54 s
